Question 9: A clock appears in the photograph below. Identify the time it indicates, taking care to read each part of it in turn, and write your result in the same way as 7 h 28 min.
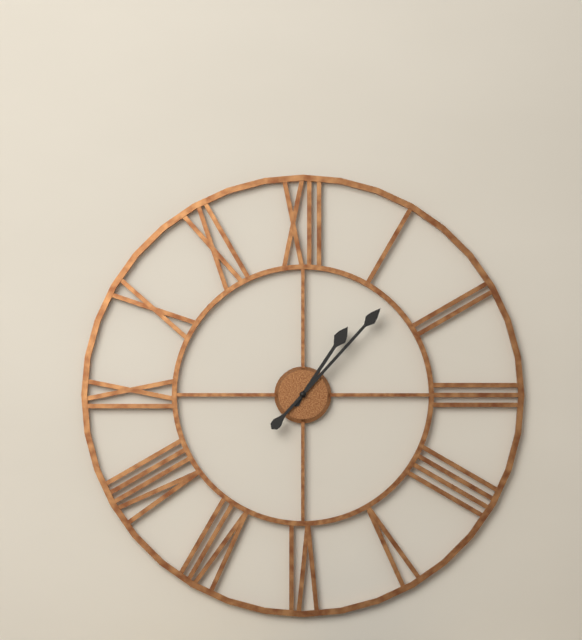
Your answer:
1 h 07 min
